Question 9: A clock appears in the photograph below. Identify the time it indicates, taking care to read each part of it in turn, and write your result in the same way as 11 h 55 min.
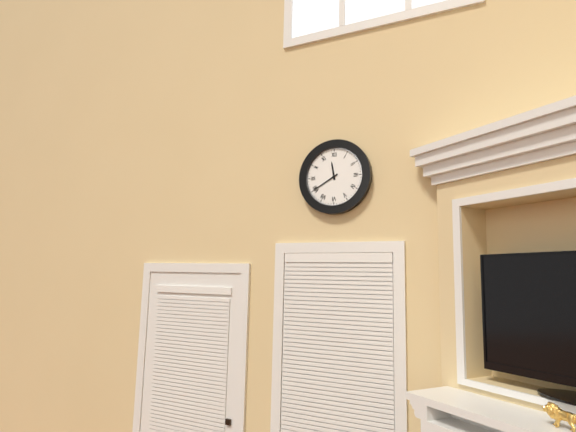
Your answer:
11 h 40 min
